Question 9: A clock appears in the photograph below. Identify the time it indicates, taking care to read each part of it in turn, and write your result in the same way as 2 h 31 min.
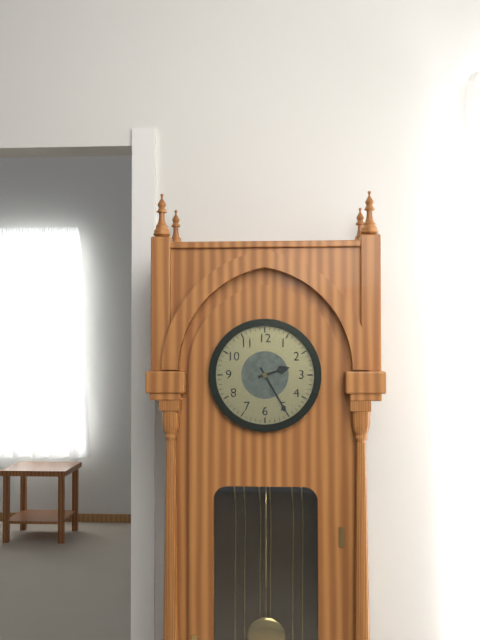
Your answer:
2 h 25 min
